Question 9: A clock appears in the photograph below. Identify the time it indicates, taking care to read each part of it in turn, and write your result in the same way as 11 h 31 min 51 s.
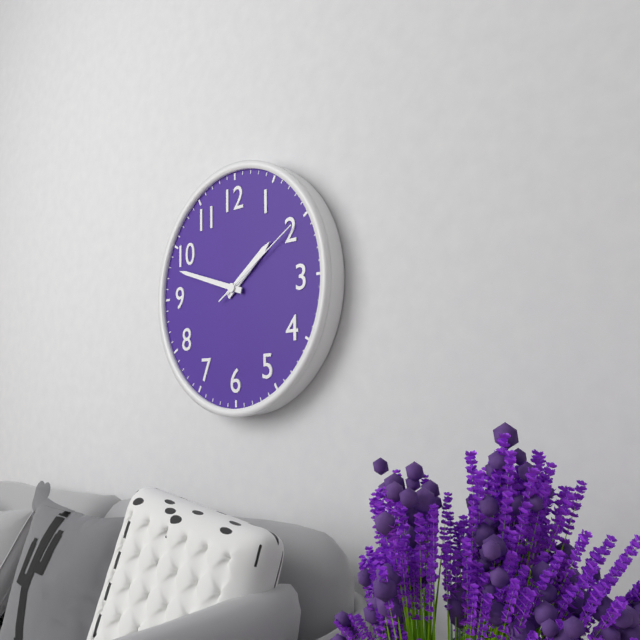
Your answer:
1 h 48 min 10 s
